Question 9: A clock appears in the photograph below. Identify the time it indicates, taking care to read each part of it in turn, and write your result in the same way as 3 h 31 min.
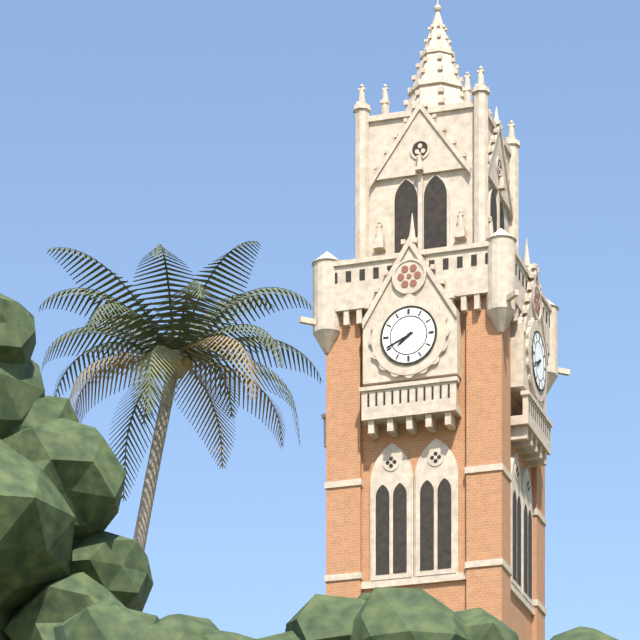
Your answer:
7 h 41 min
